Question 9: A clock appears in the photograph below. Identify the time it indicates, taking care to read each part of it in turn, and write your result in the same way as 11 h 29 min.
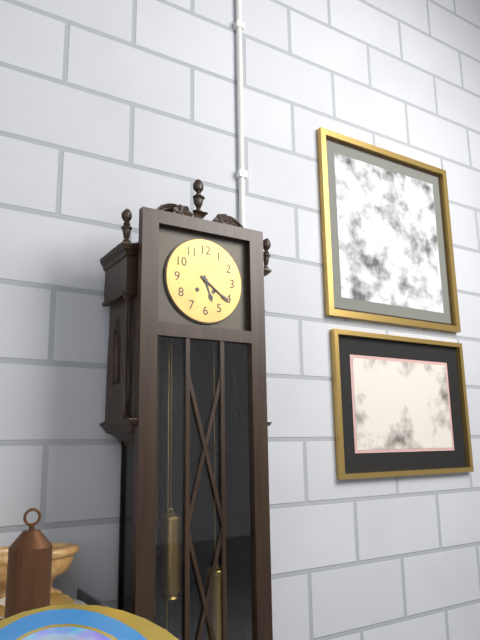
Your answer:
5 h 21 min
